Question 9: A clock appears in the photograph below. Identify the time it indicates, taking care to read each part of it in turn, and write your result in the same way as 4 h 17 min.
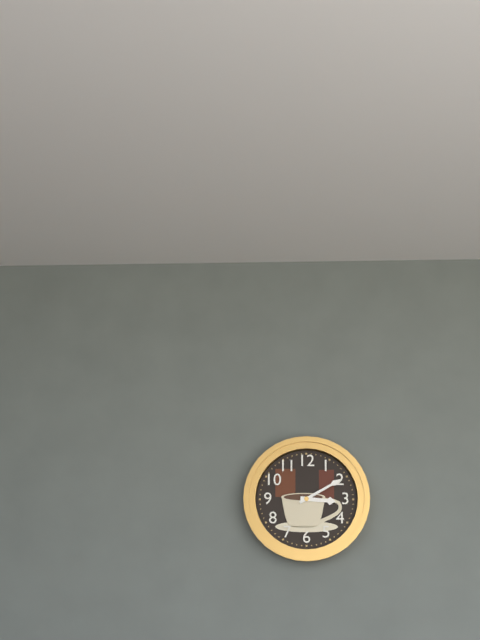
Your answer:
3 h 10 min
